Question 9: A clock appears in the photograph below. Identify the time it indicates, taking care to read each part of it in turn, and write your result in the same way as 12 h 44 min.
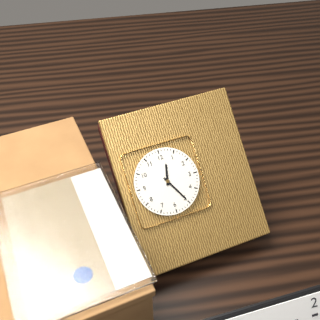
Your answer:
12 h 25 min
